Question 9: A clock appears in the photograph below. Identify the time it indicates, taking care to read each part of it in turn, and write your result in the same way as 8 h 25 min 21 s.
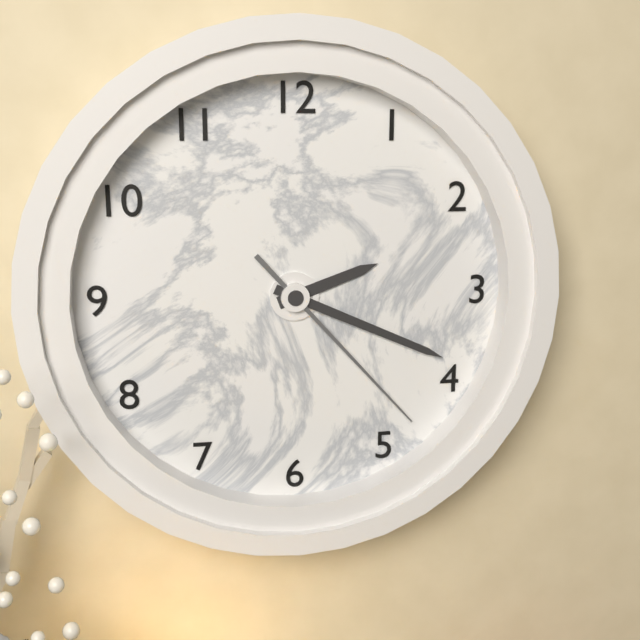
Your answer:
2 h 19 min 23 s
